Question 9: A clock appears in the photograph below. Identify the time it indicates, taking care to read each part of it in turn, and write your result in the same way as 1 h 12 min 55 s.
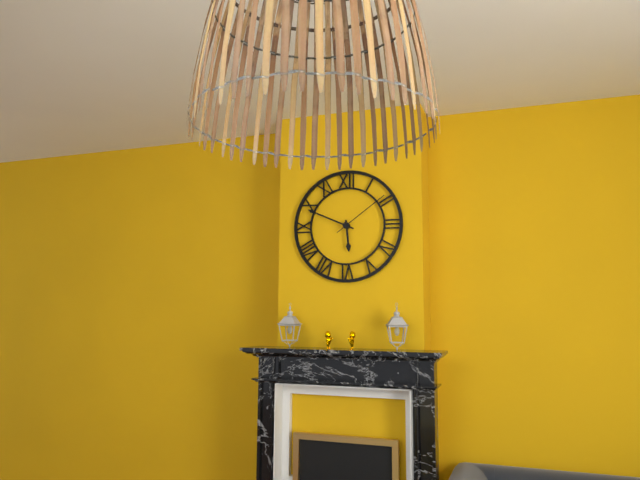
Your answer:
5 h 49 min 09 s
